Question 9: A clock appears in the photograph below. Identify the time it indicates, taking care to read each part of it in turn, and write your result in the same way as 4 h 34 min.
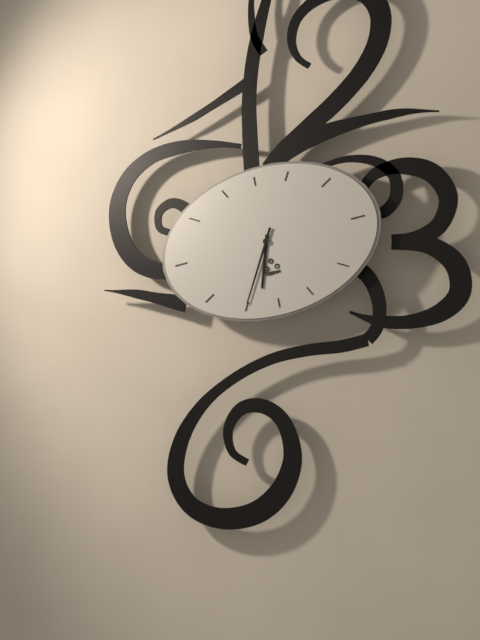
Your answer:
6 h 35 min
